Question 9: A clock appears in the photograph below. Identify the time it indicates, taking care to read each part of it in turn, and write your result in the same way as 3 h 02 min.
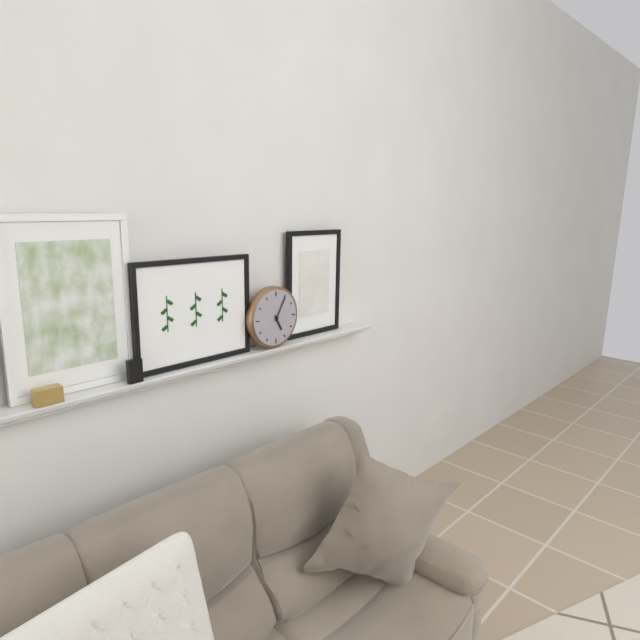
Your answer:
5 h 05 min
